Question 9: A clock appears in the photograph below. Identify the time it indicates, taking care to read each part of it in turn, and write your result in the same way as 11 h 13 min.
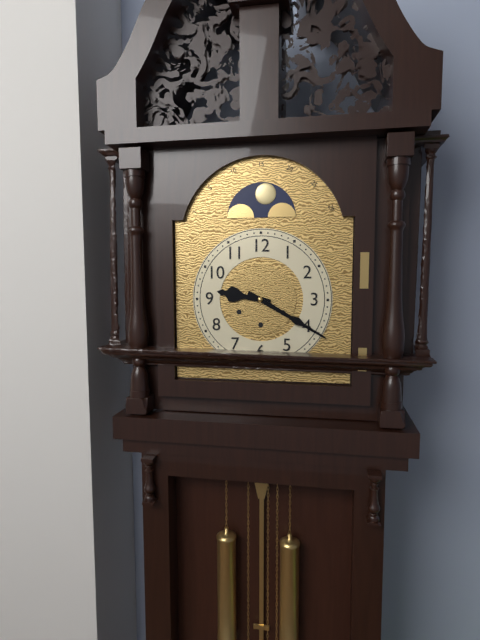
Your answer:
9 h 20 min
